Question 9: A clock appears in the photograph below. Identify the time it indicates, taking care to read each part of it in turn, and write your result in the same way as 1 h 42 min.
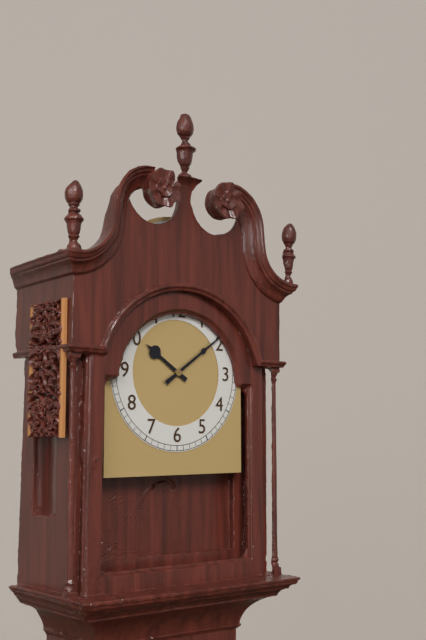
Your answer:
10 h 09 min
